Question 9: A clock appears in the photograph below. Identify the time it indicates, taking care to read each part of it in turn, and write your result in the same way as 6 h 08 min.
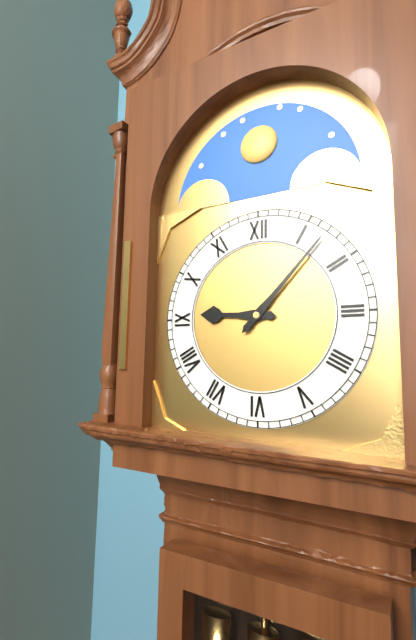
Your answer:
9 h 07 min
